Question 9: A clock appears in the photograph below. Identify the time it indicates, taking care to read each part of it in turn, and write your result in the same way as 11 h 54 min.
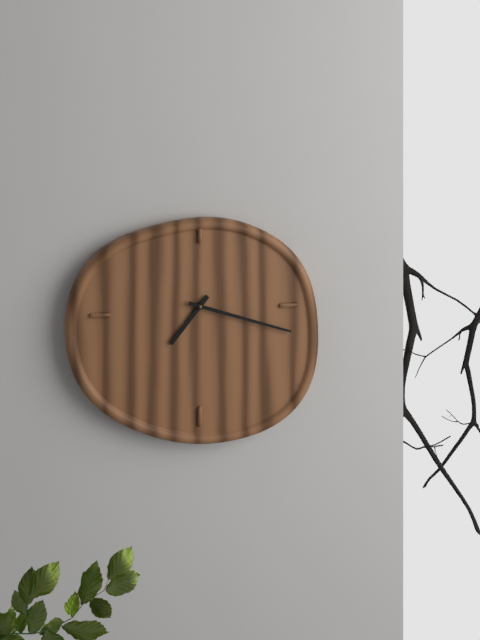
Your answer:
7 h 18 min
